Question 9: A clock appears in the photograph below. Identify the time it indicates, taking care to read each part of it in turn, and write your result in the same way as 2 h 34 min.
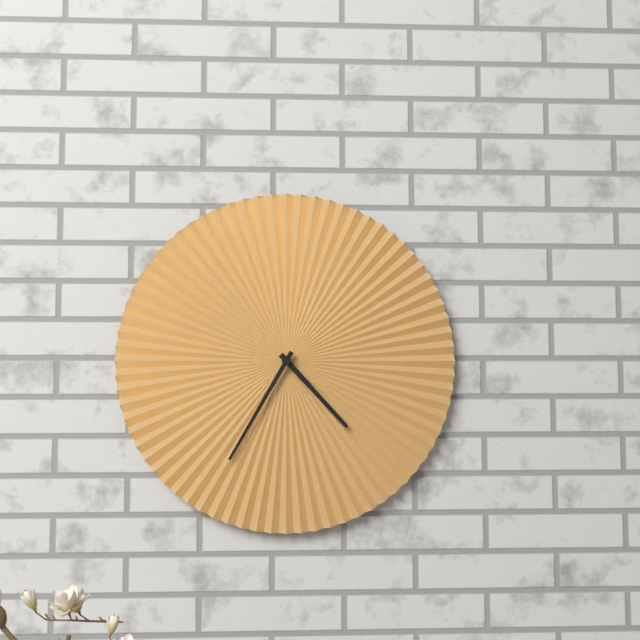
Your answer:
4 h 35 min
